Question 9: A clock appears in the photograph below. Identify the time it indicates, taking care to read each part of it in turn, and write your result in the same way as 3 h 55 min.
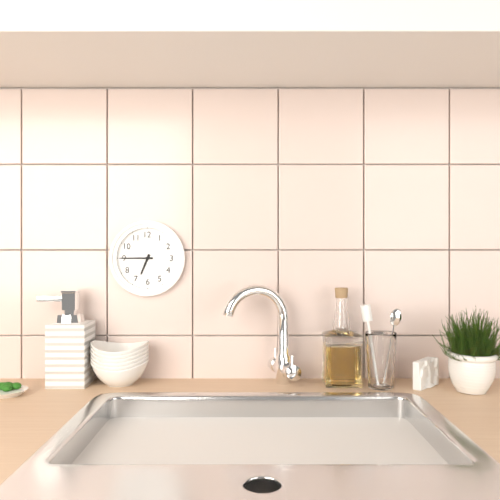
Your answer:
6 h 45 min
